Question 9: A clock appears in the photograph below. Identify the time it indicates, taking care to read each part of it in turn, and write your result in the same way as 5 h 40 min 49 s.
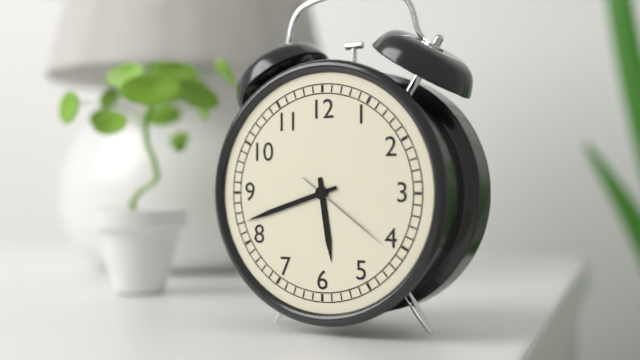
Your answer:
5 h 42 min 21 s
